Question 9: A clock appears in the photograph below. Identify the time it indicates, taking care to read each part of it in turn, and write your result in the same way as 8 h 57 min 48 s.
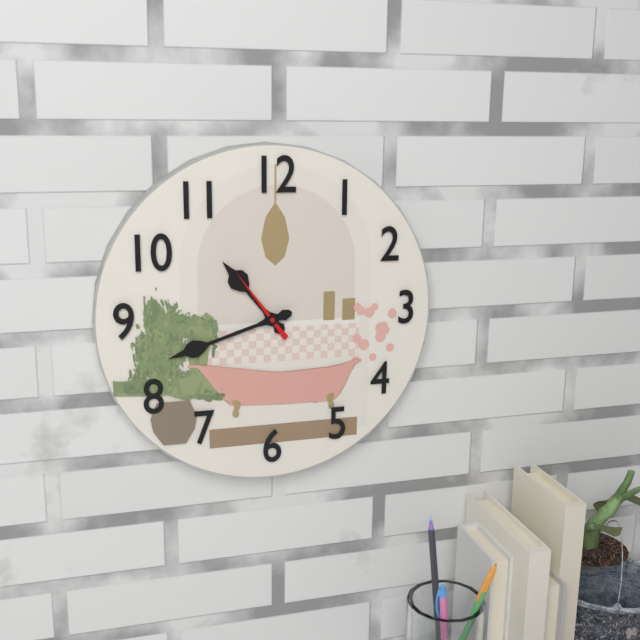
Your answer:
10 h 42 min 54 s
